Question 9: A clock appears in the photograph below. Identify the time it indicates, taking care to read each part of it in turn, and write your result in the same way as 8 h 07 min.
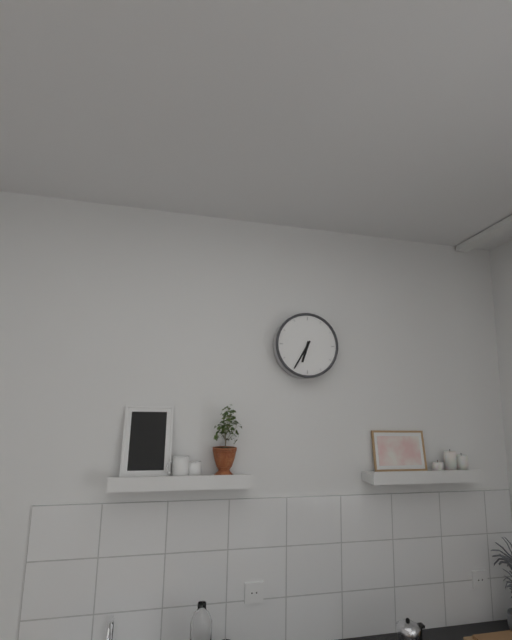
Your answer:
6 h 35 min
